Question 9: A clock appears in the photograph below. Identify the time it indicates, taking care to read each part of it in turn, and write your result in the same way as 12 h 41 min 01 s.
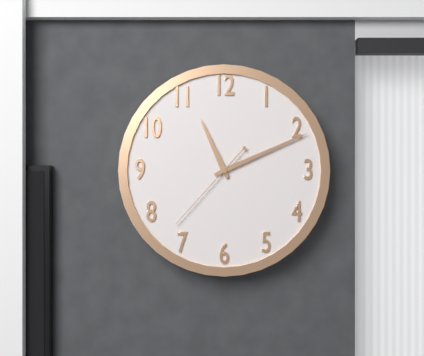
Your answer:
11 h 11 min 37 s
